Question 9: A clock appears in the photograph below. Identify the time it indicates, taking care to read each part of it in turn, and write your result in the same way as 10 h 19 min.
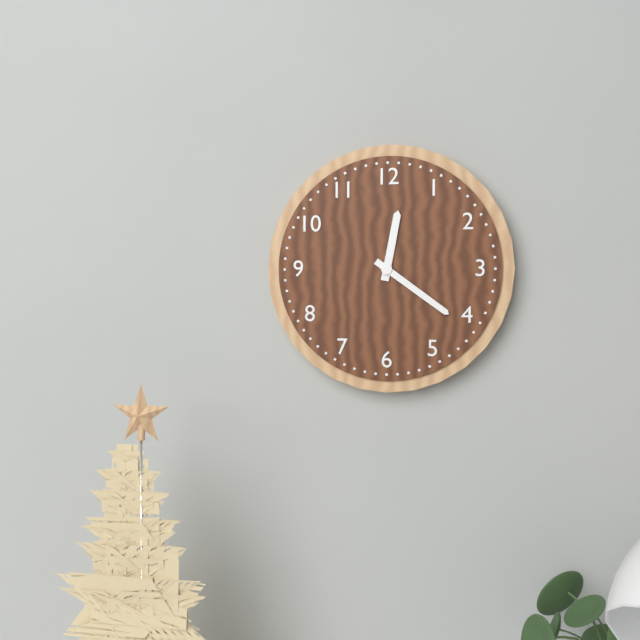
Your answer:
12 h 21 min
